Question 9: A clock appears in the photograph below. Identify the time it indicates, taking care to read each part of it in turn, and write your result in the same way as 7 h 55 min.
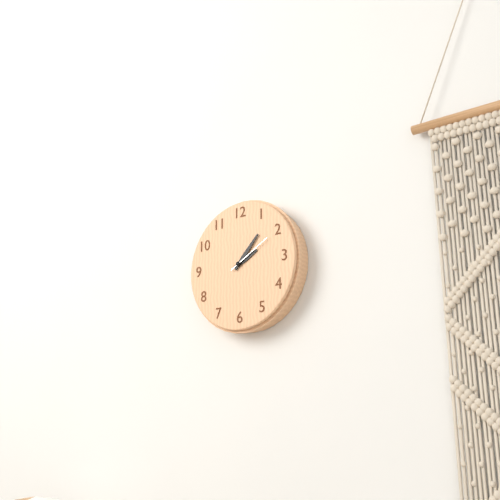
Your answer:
2 h 07 min
